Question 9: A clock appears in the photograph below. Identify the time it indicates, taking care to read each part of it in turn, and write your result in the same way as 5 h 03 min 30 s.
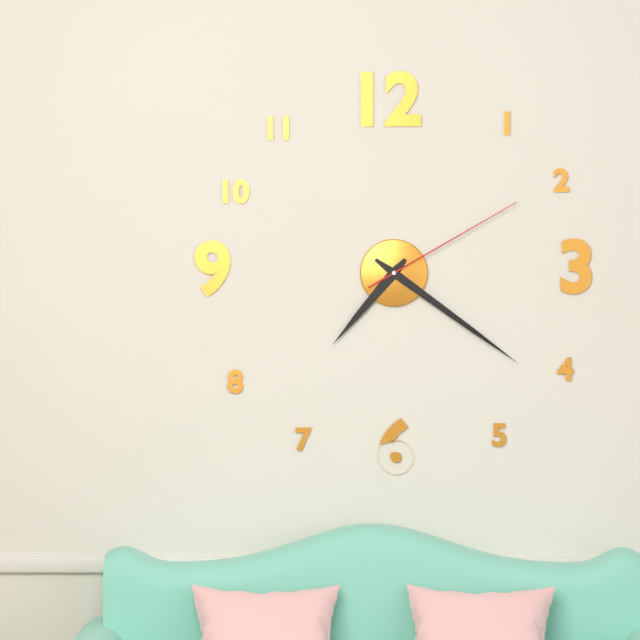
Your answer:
7 h 21 min 10 s
